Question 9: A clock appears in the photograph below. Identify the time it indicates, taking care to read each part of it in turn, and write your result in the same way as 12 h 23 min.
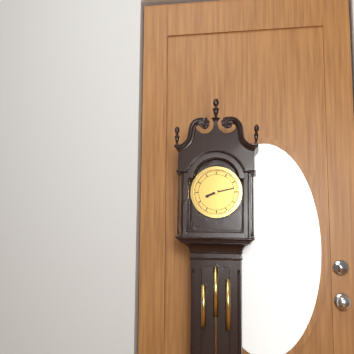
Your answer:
8 h 13 min
